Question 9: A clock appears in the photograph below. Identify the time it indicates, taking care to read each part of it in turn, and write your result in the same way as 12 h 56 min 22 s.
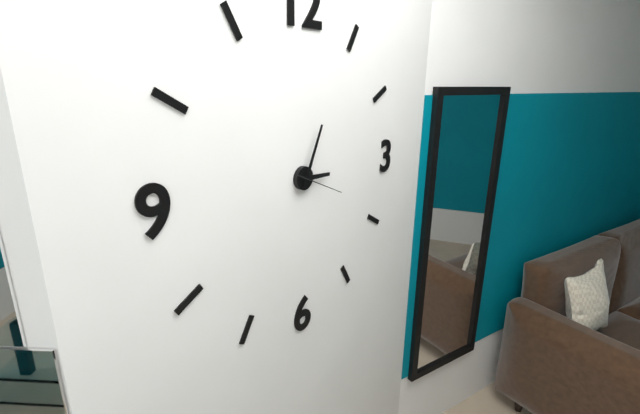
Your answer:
3 h 04 min 19 s
